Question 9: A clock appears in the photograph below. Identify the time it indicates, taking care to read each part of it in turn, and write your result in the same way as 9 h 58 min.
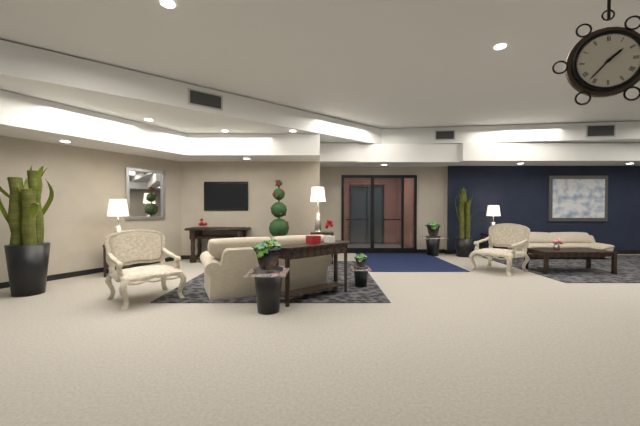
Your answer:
1 h 37 min
